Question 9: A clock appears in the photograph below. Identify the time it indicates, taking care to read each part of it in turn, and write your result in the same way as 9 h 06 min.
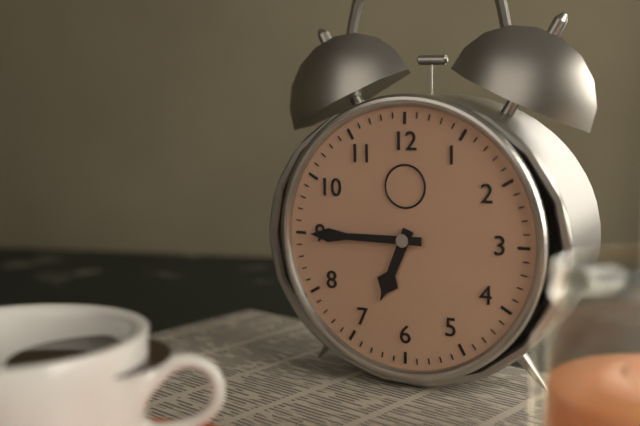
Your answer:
6 h 45 min
